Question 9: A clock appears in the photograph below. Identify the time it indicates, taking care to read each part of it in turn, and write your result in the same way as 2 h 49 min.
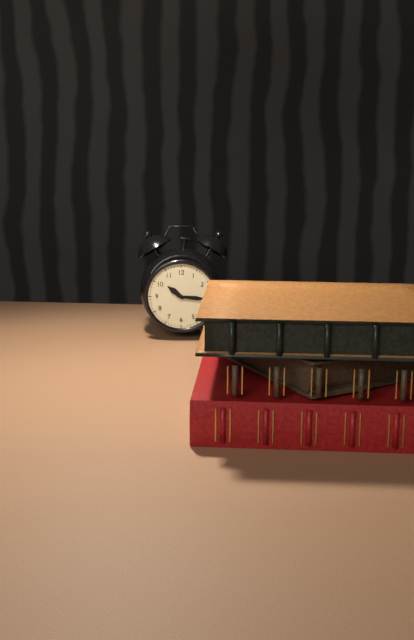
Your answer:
10 h 16 min
